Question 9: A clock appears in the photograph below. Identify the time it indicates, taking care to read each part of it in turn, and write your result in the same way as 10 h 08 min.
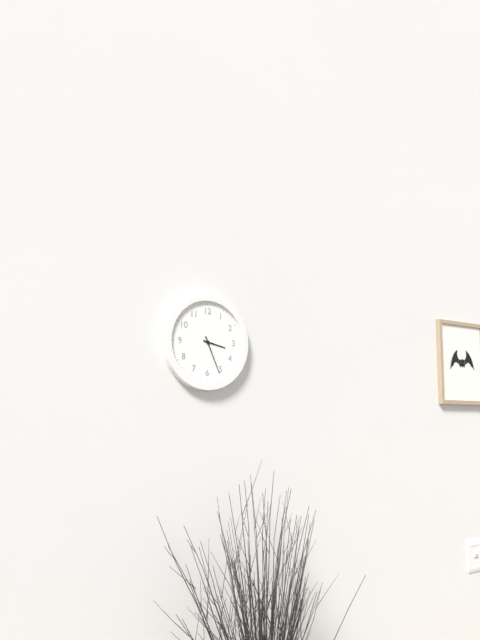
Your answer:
3 h 26 min
